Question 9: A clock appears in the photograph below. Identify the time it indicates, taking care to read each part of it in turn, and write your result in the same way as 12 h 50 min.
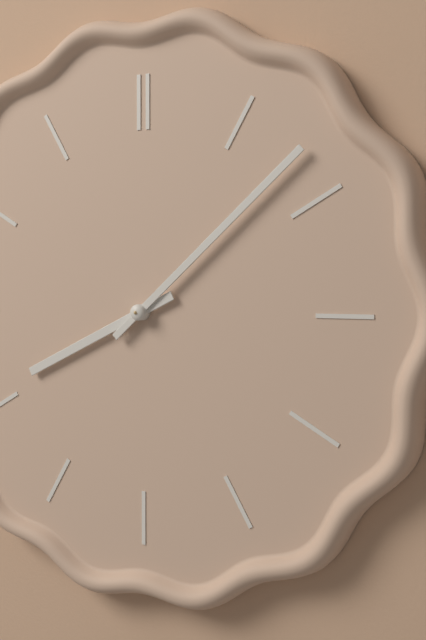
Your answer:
8 h 08 min
